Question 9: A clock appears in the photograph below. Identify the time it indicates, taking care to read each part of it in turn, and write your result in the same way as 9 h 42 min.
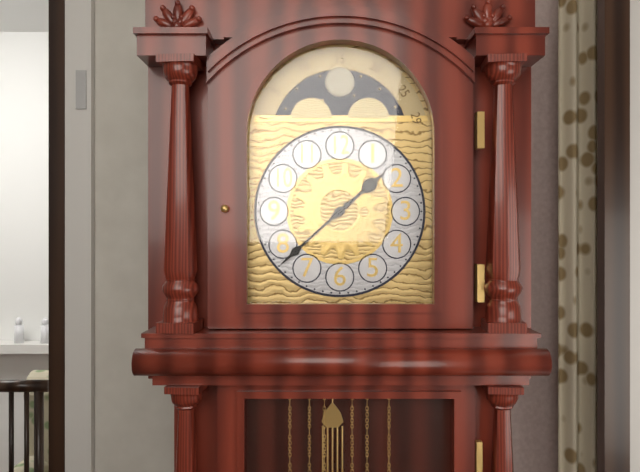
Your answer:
1 h 38 min
